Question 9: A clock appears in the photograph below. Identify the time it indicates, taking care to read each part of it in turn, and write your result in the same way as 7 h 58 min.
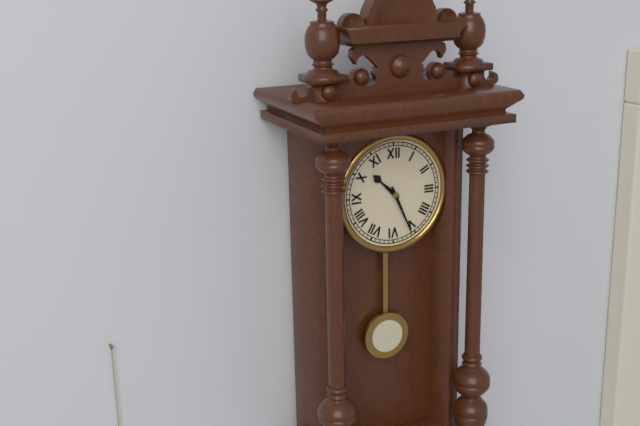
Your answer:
10 h 26 min
